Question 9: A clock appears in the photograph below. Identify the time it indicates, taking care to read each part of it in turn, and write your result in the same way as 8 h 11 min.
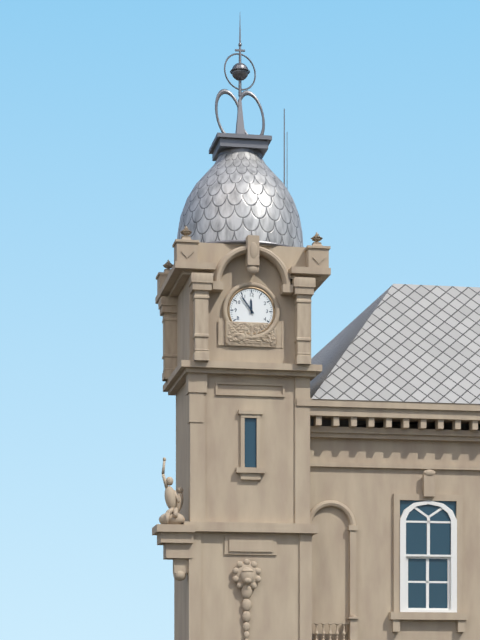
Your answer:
11 h 54 min
